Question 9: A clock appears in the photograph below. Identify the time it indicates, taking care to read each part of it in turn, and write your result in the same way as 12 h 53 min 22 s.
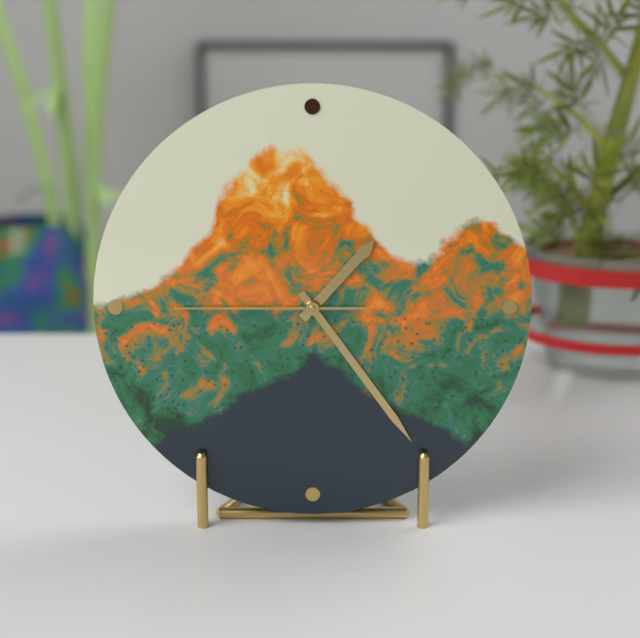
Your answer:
1 h 24 min 45 s
